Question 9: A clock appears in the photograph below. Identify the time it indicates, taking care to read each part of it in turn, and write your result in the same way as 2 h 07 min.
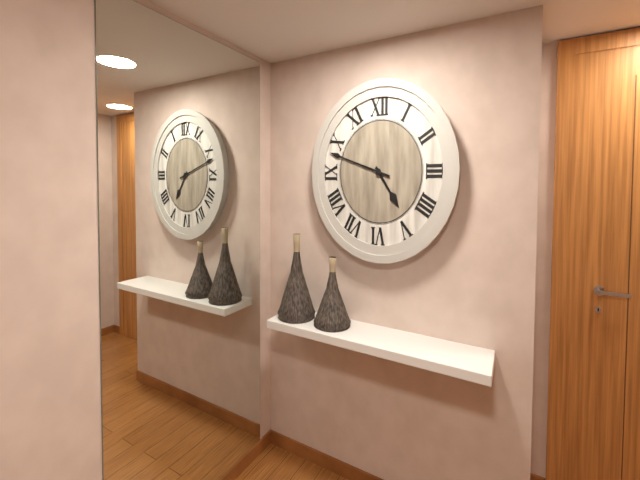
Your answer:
4 h 48 min
